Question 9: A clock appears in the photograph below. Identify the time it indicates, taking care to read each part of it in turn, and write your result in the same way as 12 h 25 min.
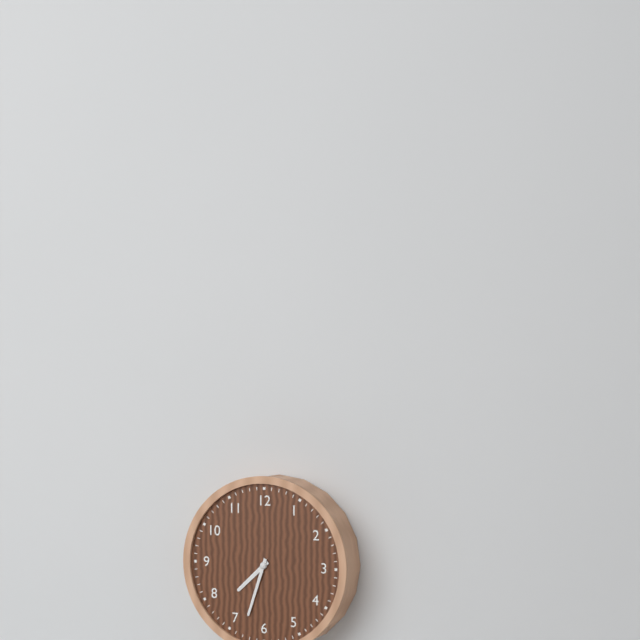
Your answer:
7 h 33 min
